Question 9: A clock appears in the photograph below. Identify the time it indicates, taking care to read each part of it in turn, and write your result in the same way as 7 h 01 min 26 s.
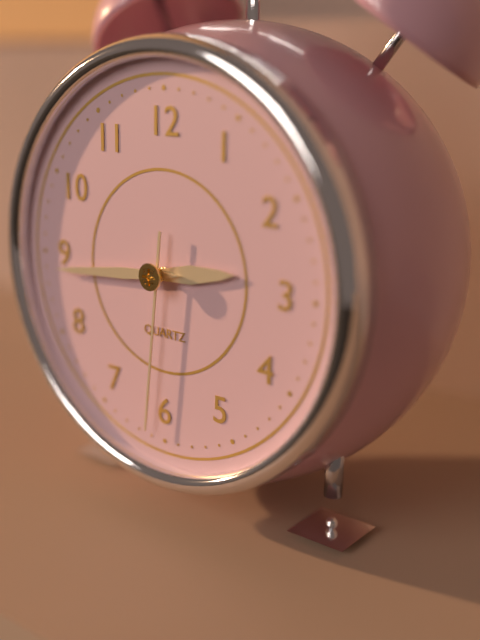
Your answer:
2 h 44 min 31 s
